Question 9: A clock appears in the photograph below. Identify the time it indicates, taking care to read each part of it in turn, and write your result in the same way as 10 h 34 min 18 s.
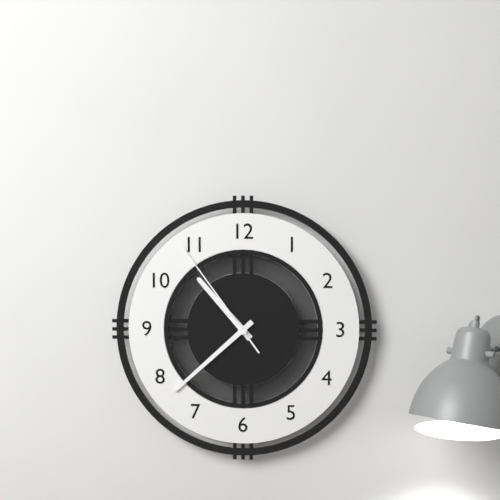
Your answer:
10 h 38 min 54 s
